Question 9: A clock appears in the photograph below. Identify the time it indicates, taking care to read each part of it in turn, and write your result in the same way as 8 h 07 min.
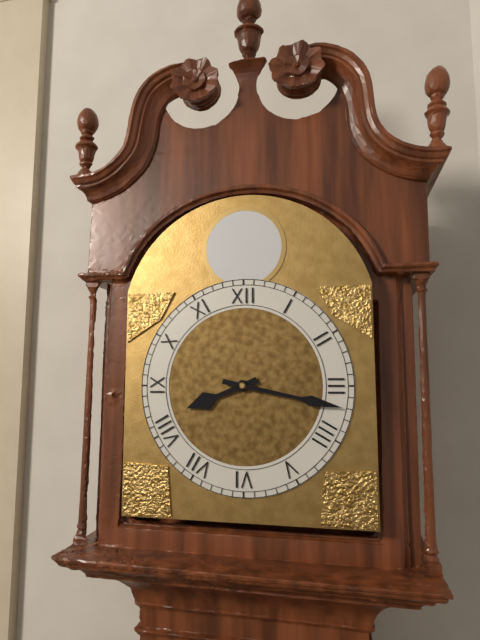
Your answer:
8 h 17 min
